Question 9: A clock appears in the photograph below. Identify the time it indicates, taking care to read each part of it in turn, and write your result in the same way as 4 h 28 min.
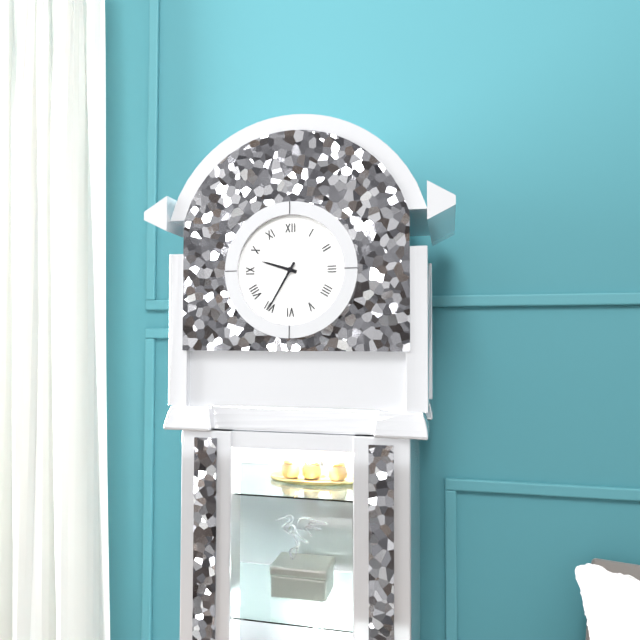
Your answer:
9 h 35 min
